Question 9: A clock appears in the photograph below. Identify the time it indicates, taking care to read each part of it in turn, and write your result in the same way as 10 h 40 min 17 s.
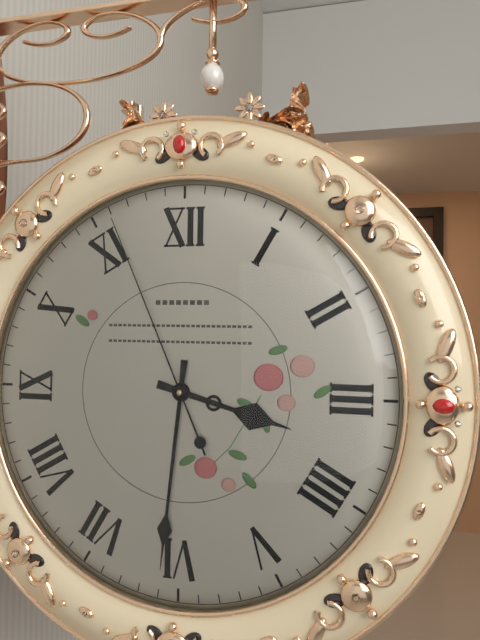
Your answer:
3 h 31 min 56 s
